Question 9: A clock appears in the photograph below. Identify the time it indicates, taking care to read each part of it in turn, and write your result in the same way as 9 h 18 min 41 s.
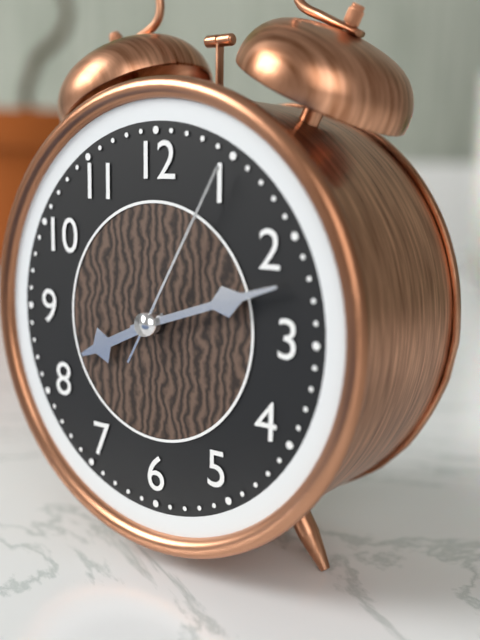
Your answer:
8 h 12 min 05 s
